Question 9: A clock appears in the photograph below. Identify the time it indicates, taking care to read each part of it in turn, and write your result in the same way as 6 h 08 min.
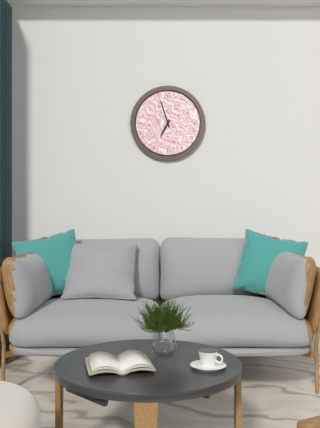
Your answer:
6 h 57 min
